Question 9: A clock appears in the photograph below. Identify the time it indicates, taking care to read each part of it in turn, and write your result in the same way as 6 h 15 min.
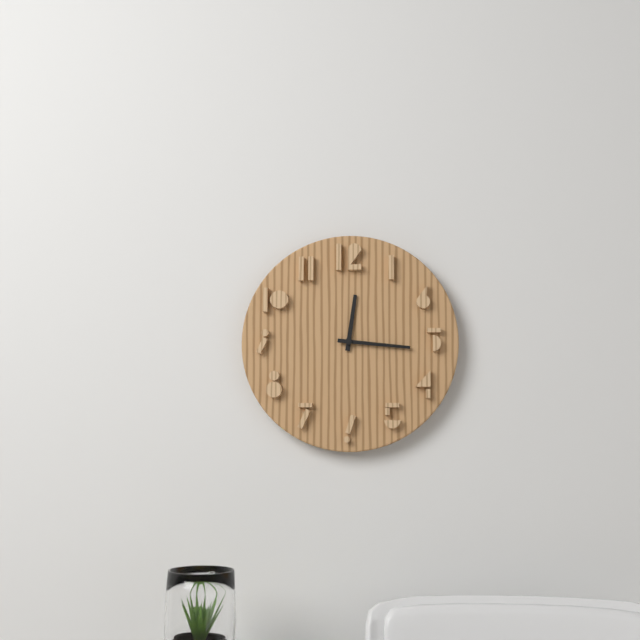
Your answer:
12 h 16 min
